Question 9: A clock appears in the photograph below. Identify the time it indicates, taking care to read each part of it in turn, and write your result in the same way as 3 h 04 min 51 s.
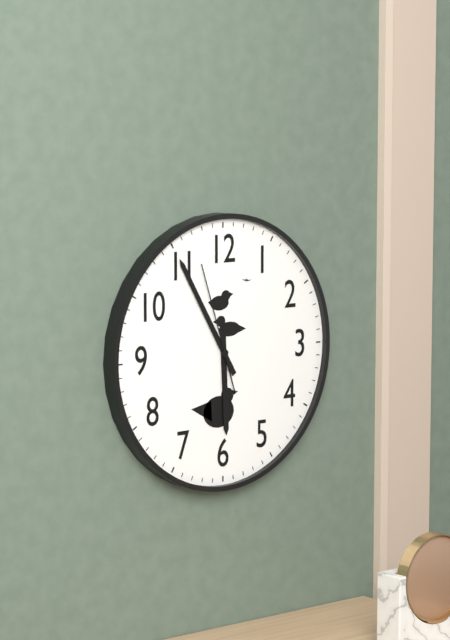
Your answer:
5 h 55 min 57 s
